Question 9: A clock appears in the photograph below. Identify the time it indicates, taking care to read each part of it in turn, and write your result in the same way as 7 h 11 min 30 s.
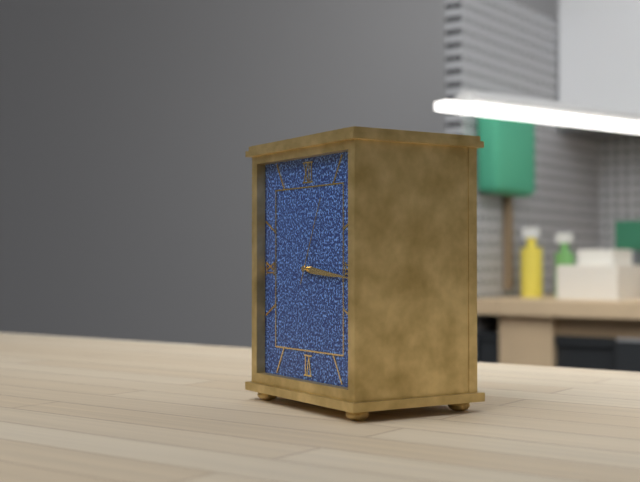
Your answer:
3 h 16 min 04 s
